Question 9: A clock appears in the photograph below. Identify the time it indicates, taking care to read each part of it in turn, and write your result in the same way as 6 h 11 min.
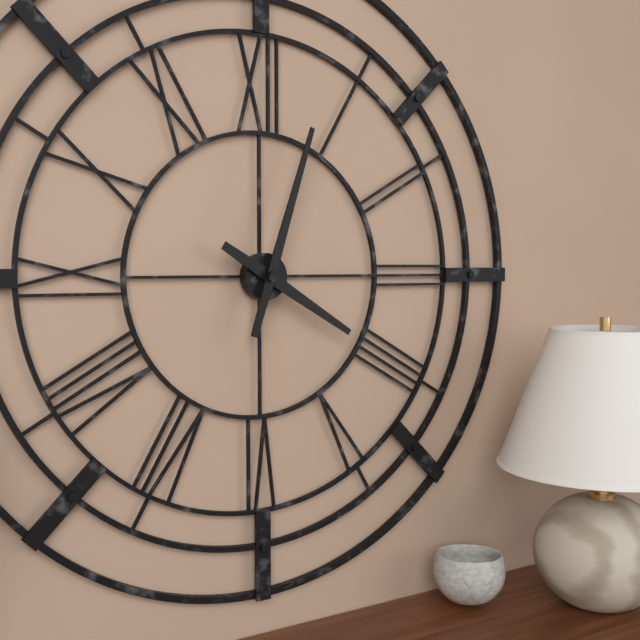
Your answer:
4 h 03 min
